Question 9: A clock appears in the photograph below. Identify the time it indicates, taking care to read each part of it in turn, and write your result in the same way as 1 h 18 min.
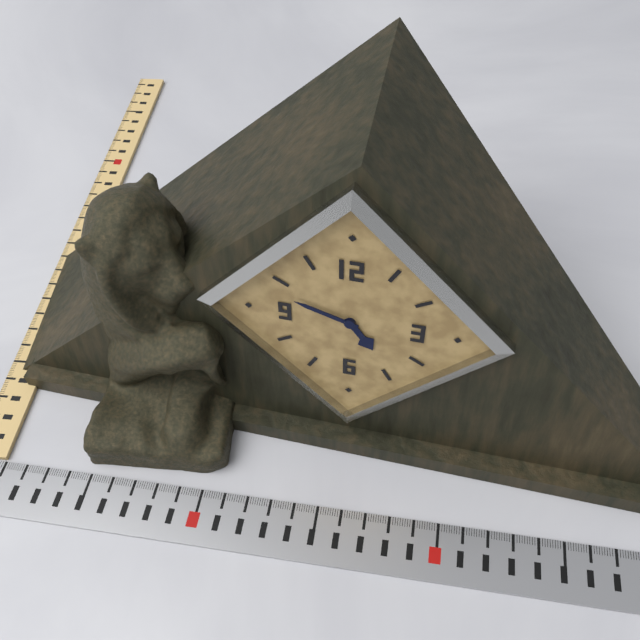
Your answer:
4 h 48 min
